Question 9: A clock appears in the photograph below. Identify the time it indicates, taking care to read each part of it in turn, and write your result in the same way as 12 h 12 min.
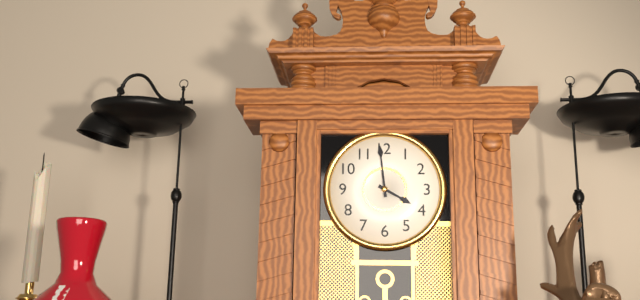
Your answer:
3 h 59 min
